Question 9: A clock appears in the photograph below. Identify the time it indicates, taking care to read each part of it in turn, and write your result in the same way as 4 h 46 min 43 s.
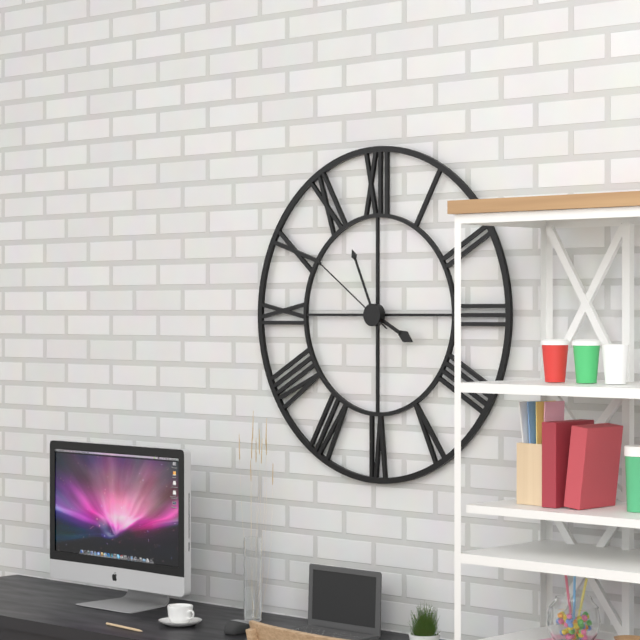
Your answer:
3 h 56 min 51 s
